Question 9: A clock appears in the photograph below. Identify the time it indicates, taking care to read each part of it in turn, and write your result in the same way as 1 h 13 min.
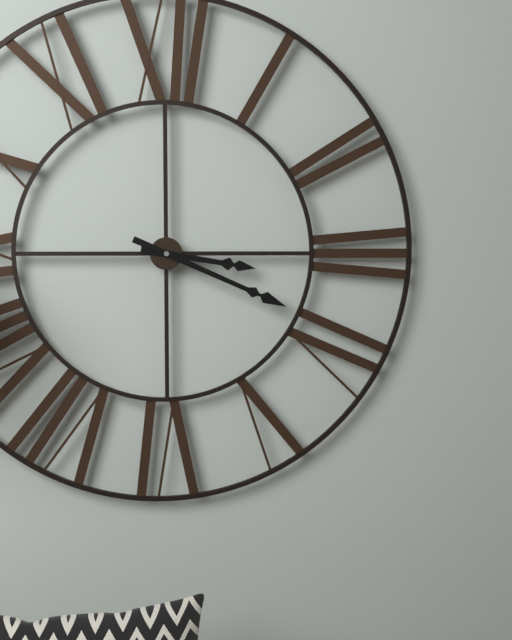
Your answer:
3 h 19 min
